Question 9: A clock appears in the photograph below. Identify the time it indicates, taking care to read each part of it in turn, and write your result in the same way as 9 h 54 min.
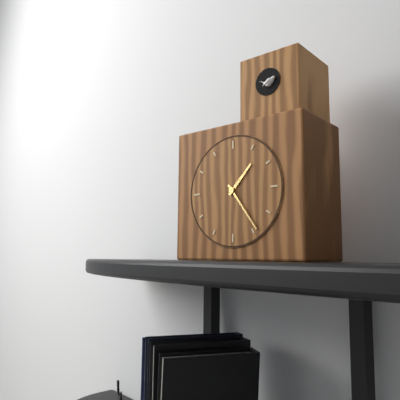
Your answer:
1 h 24 min
